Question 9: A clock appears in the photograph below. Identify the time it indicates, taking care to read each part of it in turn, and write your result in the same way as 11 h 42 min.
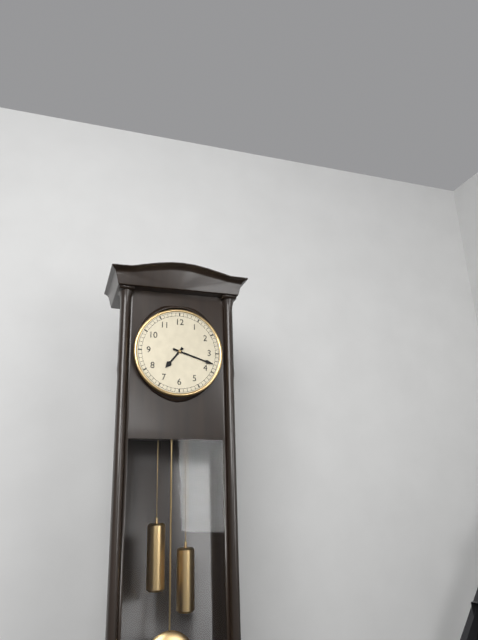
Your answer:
7 h 18 min
